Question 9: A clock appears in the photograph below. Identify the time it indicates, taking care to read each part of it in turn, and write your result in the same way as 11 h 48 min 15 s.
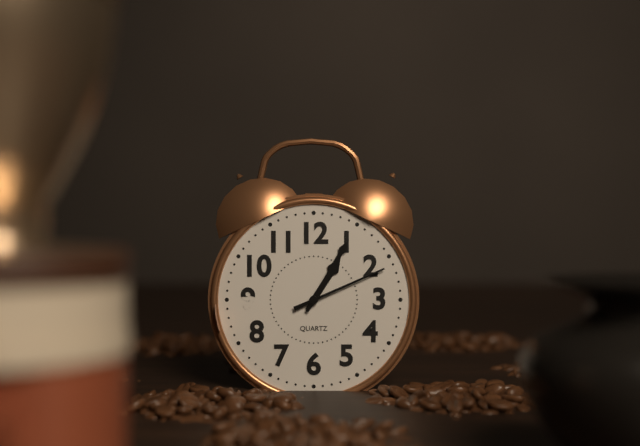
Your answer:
1 h 05 min 11 s
